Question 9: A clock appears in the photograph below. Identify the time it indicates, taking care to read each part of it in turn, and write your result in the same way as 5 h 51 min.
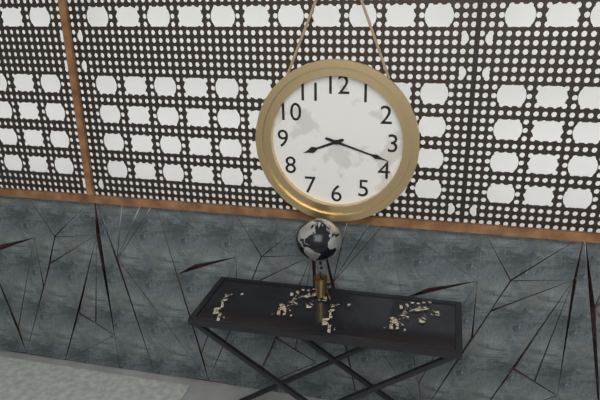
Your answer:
8 h 18 min
